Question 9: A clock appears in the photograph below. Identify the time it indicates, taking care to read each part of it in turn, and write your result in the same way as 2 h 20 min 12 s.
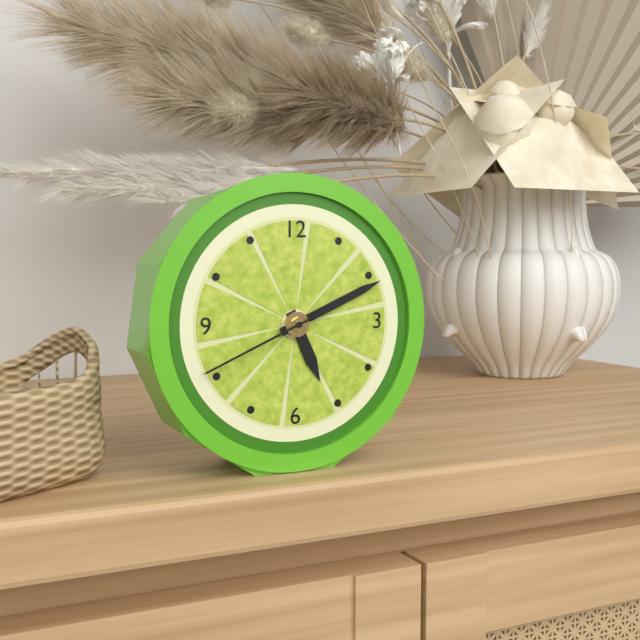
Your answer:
5 h 11 min 41 s
